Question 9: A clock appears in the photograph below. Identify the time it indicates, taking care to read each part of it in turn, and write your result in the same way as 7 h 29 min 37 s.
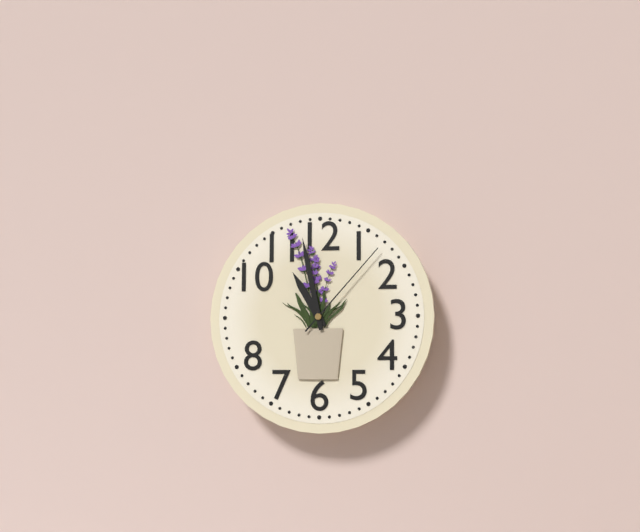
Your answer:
10 h 58 min 07 s
